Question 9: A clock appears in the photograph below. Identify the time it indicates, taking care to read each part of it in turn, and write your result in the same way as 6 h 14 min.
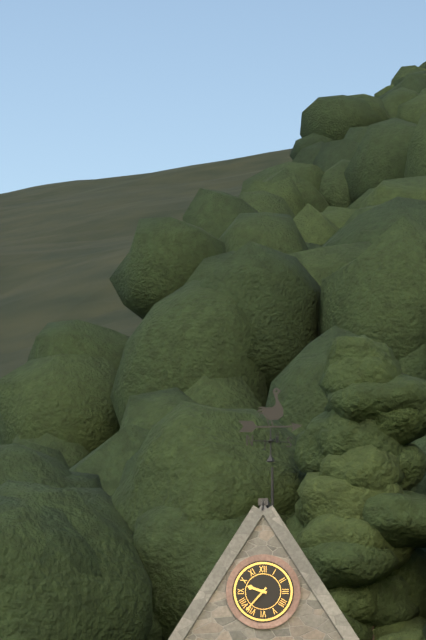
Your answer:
9 h 37 min
